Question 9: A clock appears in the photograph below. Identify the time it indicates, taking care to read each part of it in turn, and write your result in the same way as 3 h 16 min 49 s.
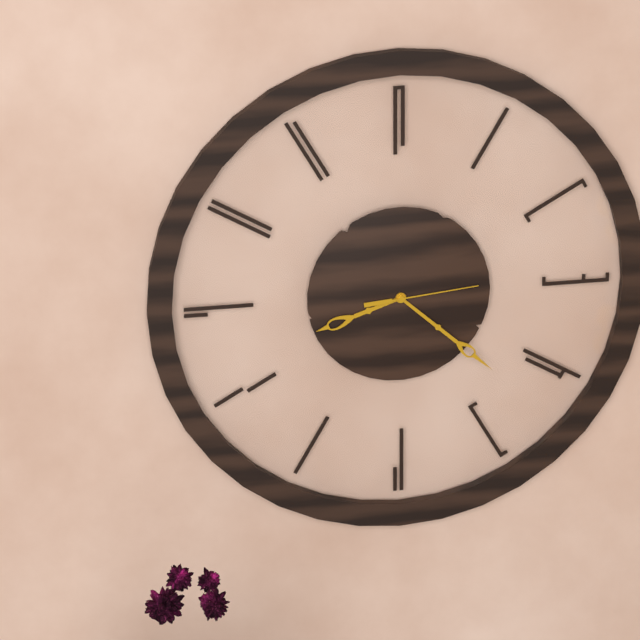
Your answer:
8 h 22 min 14 s
